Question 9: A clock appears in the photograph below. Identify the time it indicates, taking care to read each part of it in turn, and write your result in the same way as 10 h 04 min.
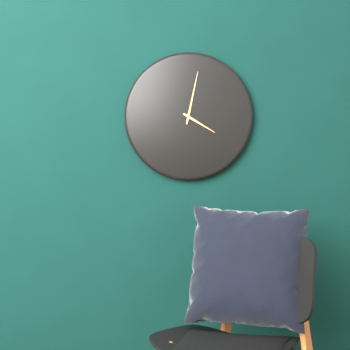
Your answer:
4 h 02 min
